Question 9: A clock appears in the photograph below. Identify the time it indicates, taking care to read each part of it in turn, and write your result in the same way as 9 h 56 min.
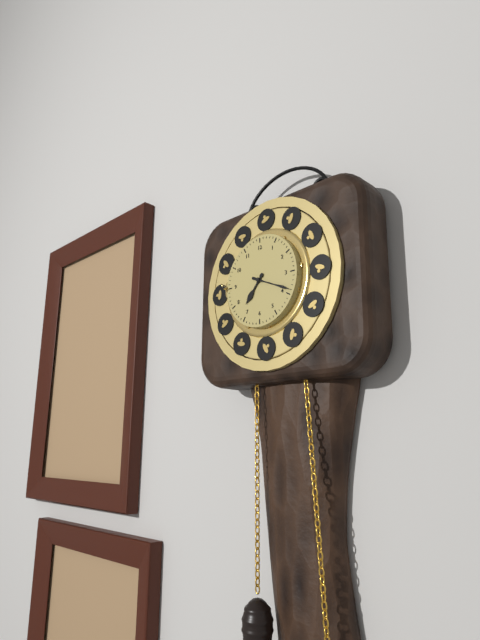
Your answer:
7 h 19 min
